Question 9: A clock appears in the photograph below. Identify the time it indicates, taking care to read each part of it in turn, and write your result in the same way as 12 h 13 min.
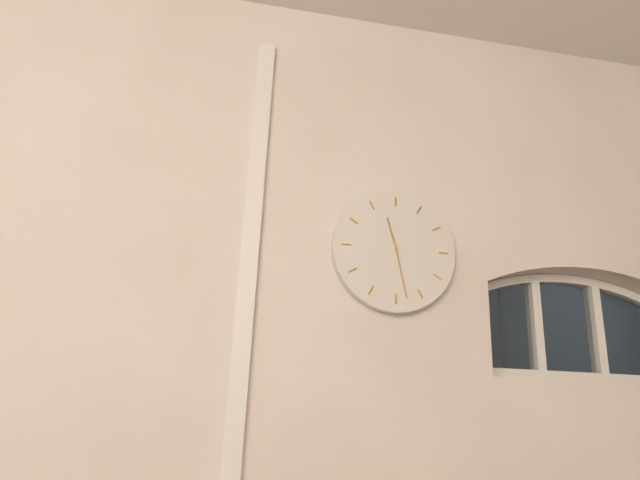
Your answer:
11 h 28 min
